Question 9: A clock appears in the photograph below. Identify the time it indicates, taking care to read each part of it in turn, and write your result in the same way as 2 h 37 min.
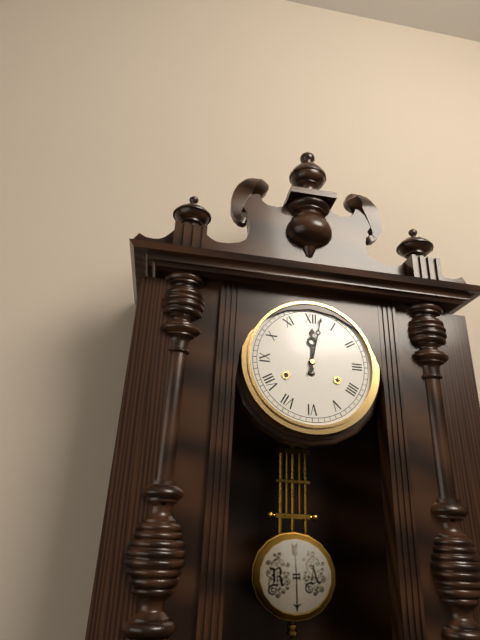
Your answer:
12 h 02 min
